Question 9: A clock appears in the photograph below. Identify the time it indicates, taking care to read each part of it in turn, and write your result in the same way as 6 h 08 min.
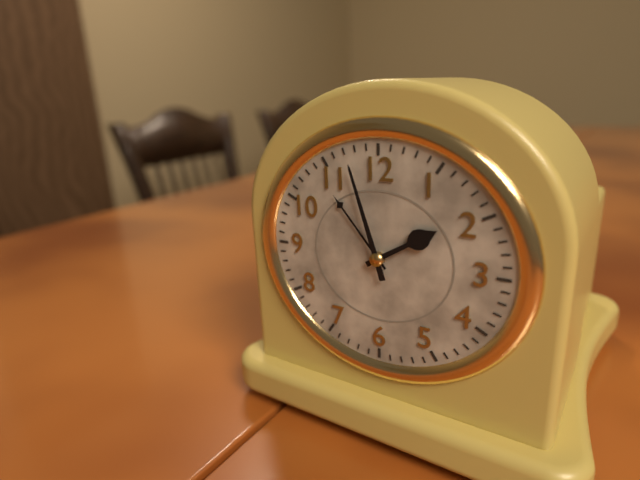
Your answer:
1 h 57 min
